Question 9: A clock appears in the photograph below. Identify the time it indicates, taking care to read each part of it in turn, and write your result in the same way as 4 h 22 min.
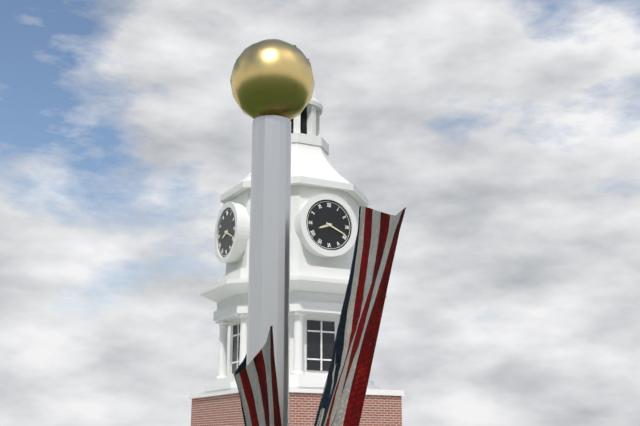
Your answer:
8 h 19 min
